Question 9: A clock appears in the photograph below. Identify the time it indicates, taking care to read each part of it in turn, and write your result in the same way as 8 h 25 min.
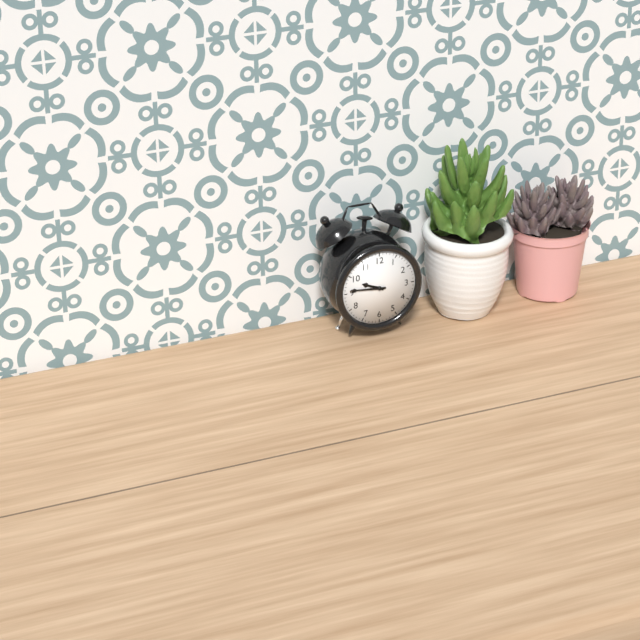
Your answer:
9 h 46 min
